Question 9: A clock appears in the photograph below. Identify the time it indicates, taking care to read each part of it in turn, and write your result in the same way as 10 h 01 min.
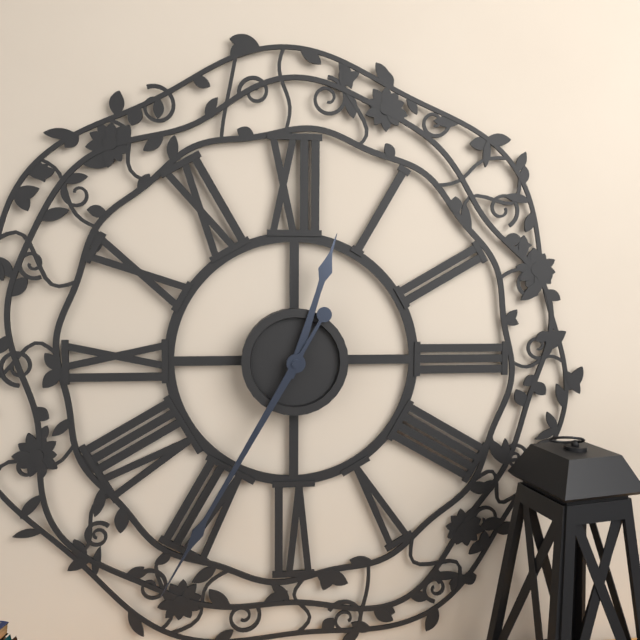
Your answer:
12 h 35 min
